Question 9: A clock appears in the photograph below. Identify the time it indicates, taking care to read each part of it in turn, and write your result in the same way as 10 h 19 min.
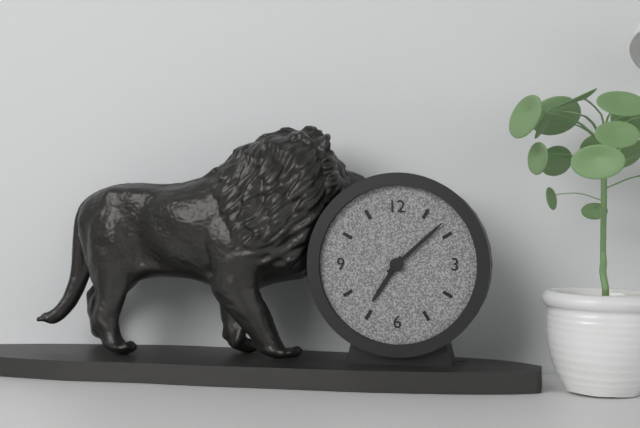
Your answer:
7 h 08 min
